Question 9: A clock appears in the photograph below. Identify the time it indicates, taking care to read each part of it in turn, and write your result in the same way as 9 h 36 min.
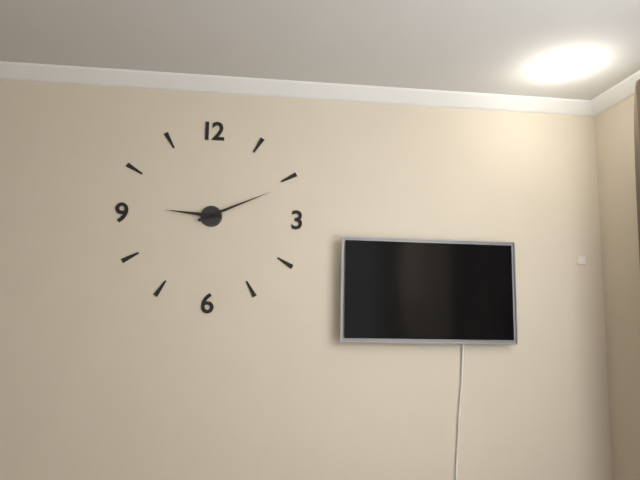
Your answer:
9 h 11 min
